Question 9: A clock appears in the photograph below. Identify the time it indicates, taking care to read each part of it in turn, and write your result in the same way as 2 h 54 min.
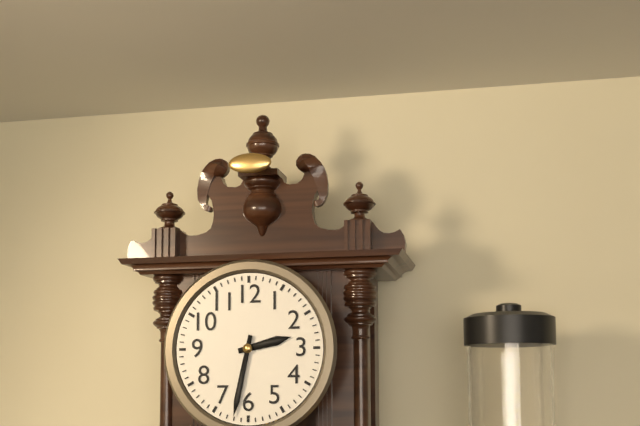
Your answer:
2 h 32 min
